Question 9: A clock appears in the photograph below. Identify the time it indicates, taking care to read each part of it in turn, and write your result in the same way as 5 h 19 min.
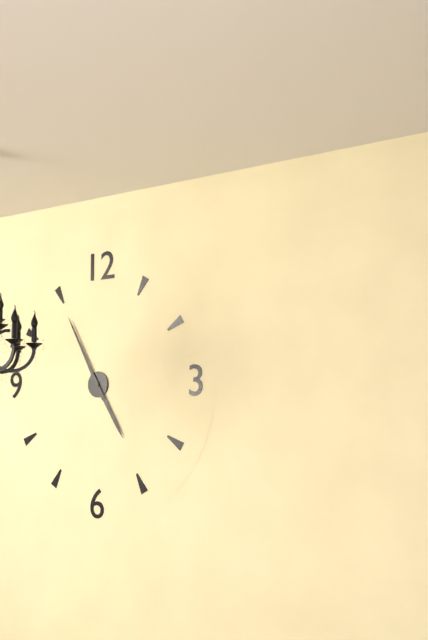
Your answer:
4 h 55 min
